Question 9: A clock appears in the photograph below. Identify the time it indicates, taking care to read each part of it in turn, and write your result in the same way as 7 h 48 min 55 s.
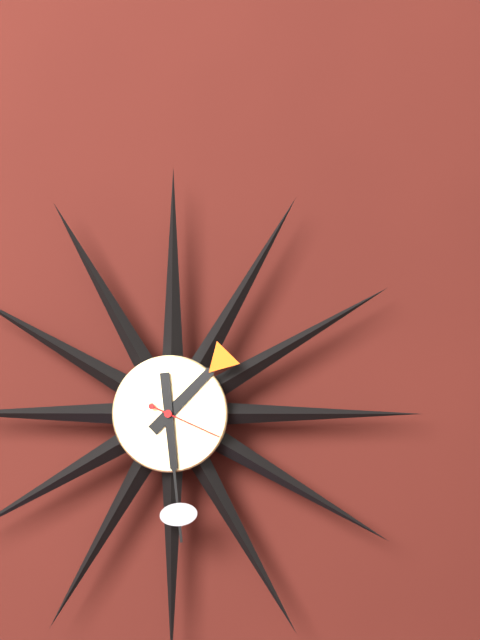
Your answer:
1 h 29 min 19 s
